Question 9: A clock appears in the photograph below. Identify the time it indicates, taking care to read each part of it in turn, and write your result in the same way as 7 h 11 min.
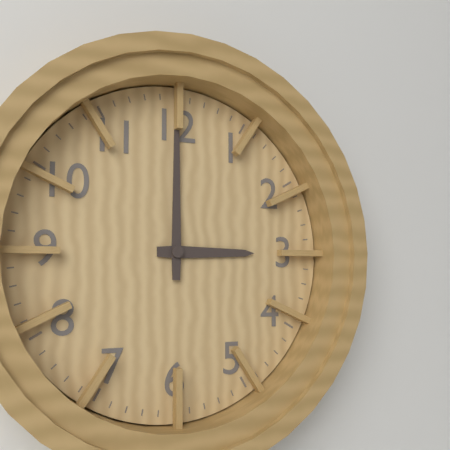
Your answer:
3 h 00 min
